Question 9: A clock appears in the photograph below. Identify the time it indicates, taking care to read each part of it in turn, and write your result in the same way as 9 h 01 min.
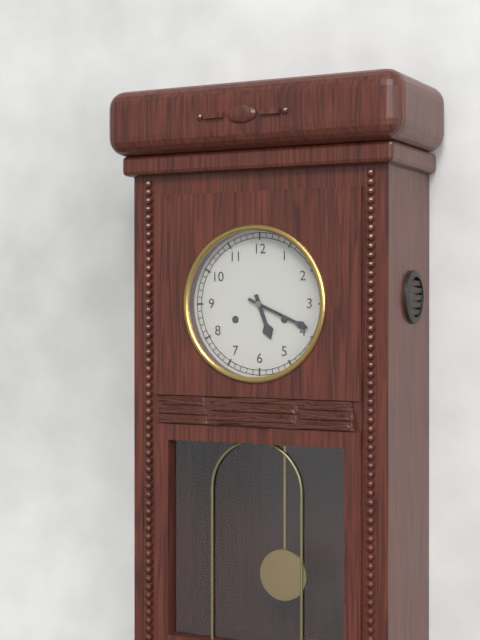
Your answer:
5 h 19 min
